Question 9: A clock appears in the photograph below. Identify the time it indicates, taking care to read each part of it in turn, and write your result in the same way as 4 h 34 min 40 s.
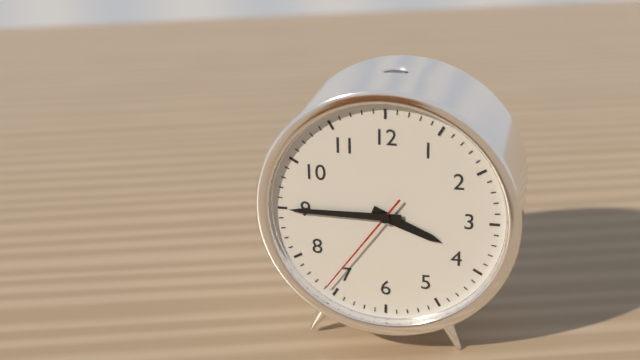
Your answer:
3 h 45 min 36 s
